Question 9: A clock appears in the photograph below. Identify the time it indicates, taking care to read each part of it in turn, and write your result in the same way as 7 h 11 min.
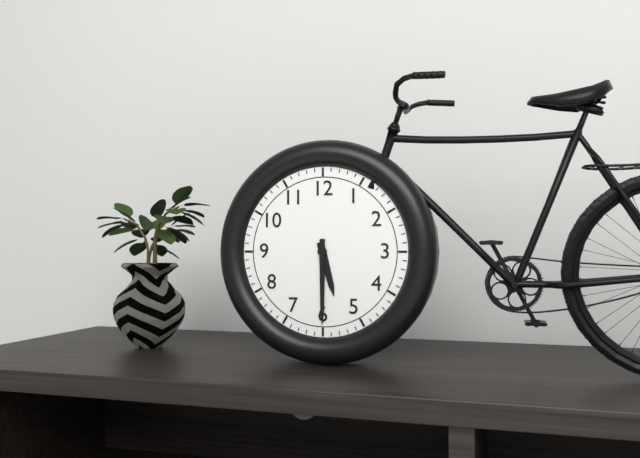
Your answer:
5 h 30 min
